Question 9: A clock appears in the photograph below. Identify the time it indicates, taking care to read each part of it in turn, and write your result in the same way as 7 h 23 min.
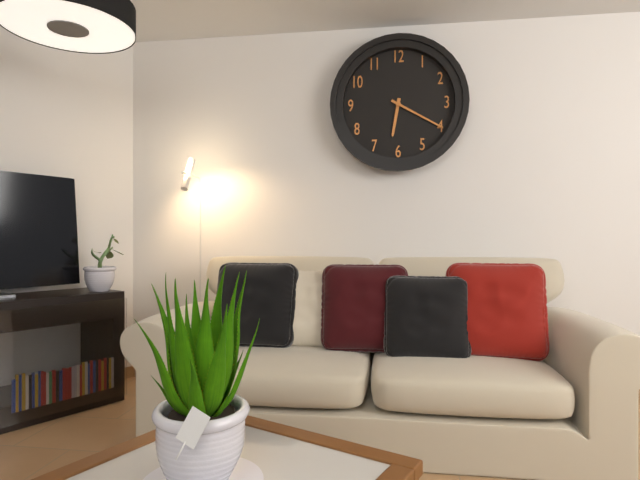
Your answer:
6 h 20 min
